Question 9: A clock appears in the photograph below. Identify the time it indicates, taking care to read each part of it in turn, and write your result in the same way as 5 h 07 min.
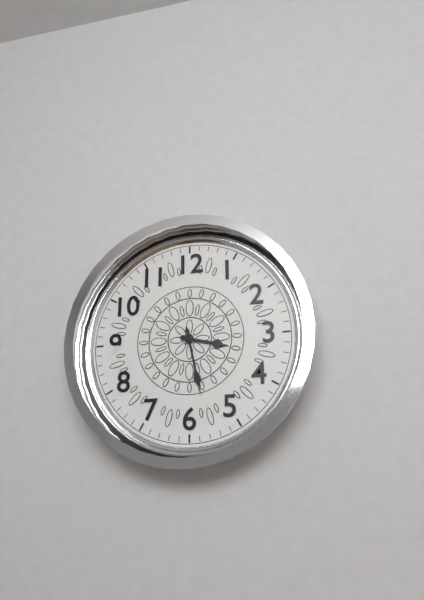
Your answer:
3 h 28 min
